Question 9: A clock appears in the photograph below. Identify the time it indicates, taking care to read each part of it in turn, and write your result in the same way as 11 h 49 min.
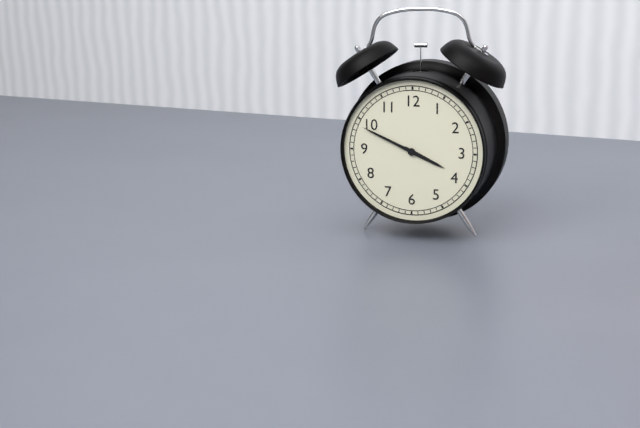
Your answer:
3 h 49 min
